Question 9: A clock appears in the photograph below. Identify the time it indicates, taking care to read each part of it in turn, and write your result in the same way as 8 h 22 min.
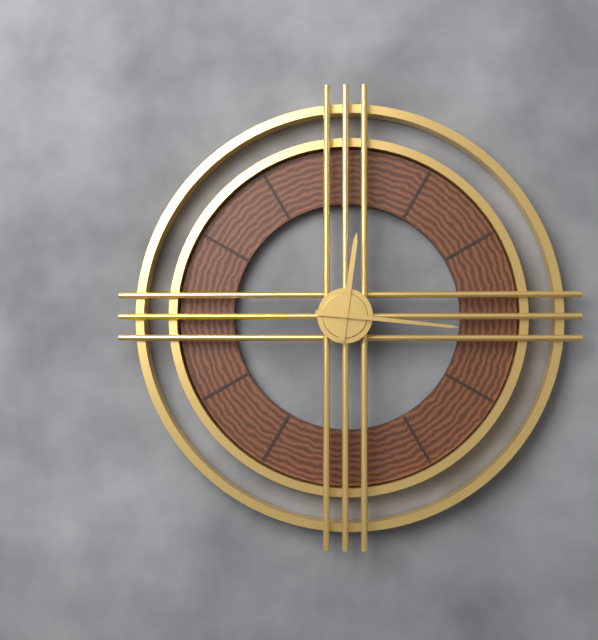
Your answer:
12 h 16 min
